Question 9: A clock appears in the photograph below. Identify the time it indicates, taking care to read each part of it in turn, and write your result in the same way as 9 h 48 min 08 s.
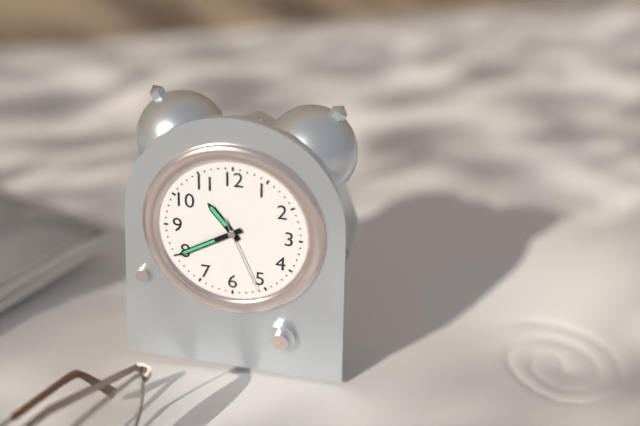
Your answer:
10 h 40 min 26 s
